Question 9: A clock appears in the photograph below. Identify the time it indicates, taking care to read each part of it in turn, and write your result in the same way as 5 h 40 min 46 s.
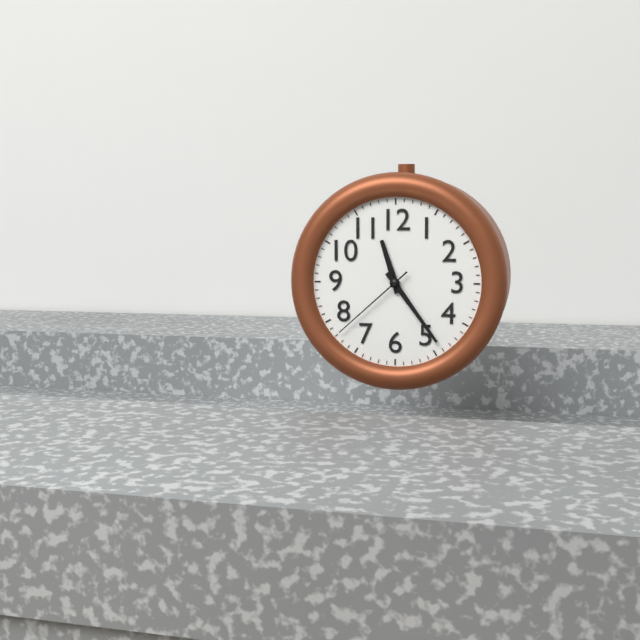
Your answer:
11 h 24 min 38 s
